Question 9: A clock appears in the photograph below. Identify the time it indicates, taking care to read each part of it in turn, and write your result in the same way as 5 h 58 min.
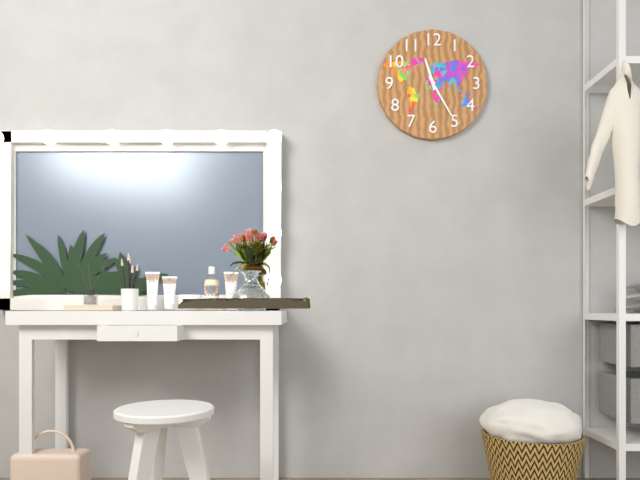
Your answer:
11 h 25 min
